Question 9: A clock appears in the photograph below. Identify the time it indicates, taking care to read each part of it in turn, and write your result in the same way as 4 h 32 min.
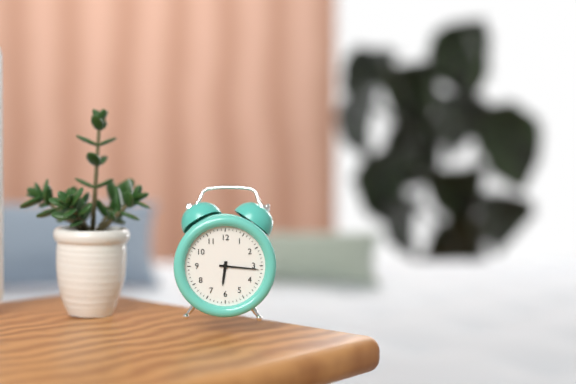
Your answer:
6 h 16 min
